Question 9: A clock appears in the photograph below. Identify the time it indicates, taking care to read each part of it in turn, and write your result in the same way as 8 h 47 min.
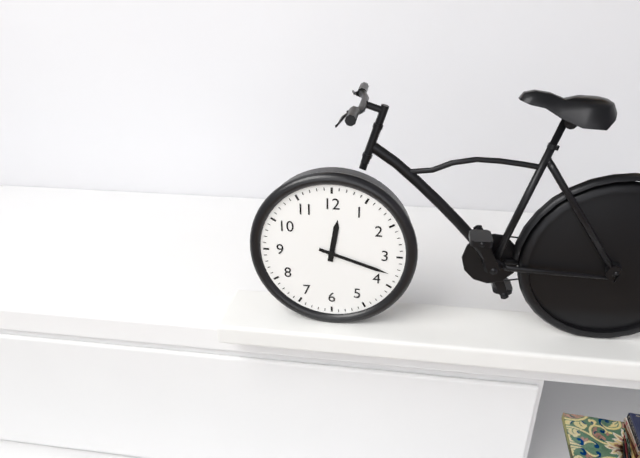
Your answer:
12 h 18 min
